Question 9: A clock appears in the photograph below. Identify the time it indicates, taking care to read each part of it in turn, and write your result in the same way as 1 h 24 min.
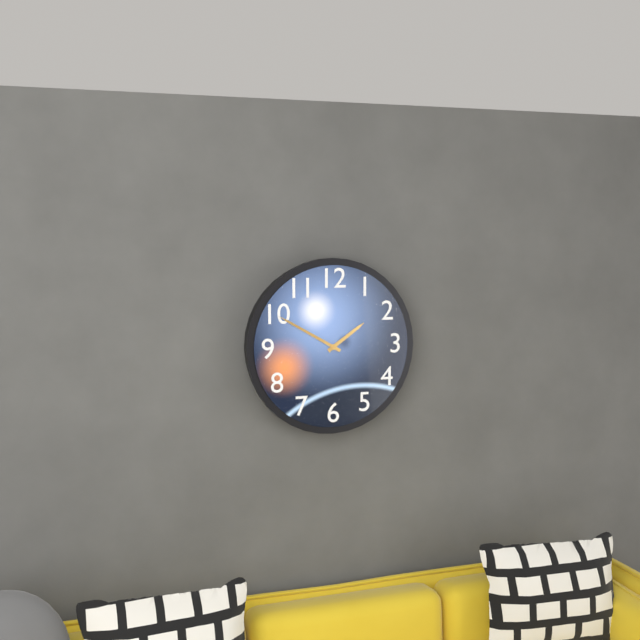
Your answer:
1 h 50 min
